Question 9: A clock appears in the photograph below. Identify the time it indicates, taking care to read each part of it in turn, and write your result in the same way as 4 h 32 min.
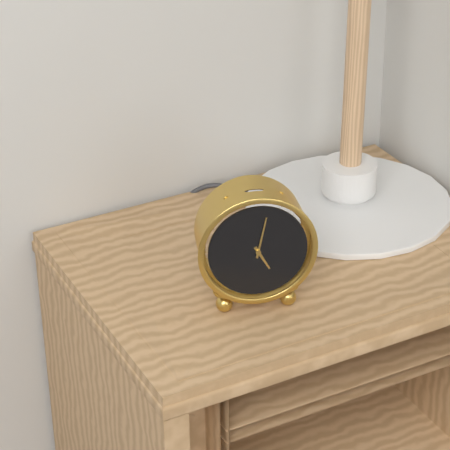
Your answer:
5 h 02 min
